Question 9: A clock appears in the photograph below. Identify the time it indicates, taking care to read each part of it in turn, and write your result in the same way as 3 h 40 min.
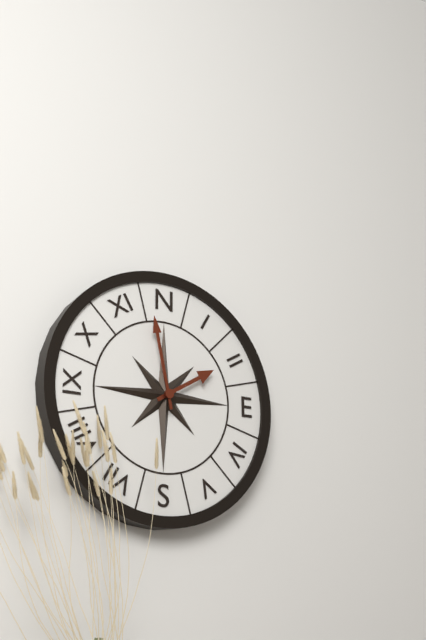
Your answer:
1 h 58 min
